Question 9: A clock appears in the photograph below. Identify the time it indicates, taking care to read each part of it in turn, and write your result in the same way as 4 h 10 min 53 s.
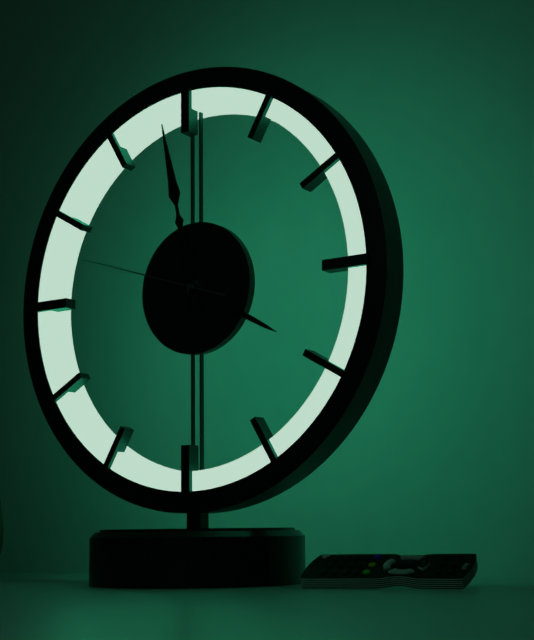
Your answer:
3 h 58 min 48 s
